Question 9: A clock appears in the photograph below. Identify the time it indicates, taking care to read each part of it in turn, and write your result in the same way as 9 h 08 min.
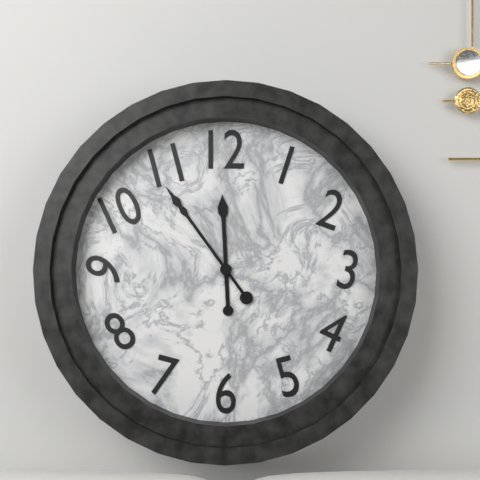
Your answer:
11 h 54 min
